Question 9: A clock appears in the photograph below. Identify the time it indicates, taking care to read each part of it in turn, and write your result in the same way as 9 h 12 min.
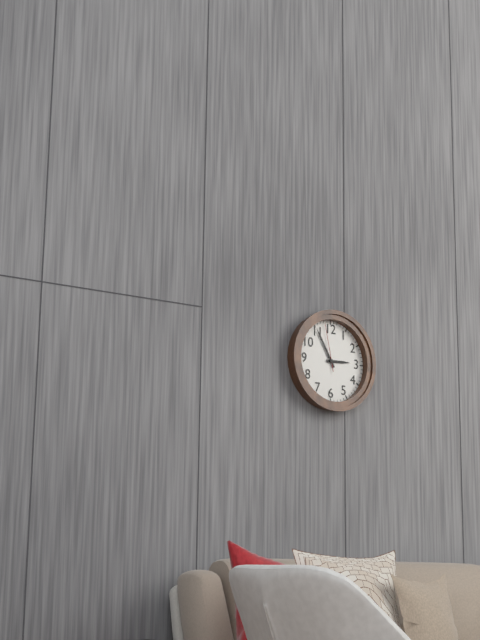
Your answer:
2 h 55 min
